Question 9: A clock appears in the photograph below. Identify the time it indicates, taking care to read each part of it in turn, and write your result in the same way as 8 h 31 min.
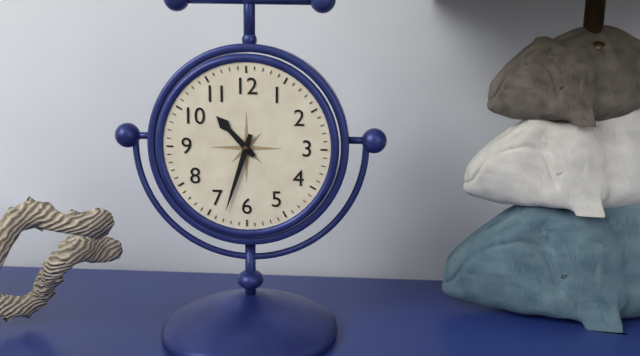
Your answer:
10 h 33 min
